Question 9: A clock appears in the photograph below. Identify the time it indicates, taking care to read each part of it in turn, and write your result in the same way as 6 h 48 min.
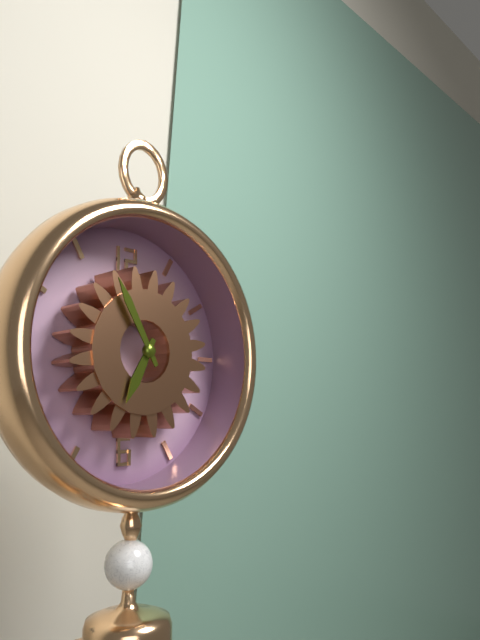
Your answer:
6 h 55 min
